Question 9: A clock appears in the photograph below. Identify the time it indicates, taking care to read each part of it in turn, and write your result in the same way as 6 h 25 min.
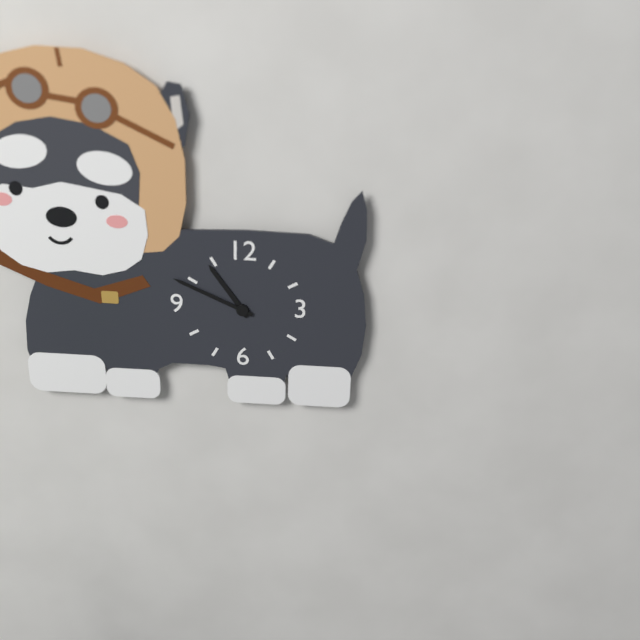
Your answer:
10 h 49 min
